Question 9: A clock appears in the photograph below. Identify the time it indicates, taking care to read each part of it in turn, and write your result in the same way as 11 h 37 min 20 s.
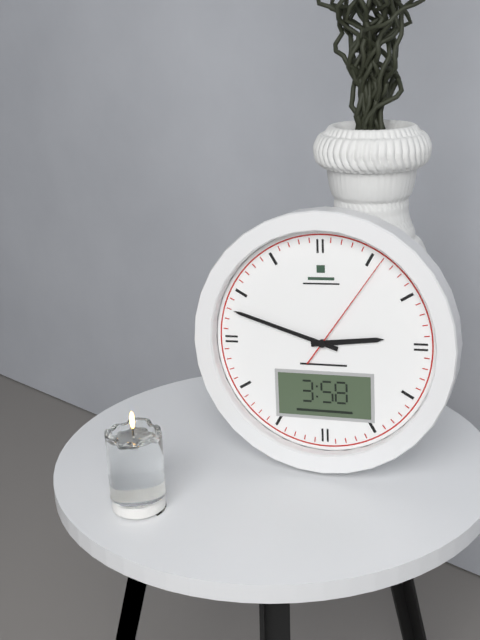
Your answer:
2 h 48 min 06 s
